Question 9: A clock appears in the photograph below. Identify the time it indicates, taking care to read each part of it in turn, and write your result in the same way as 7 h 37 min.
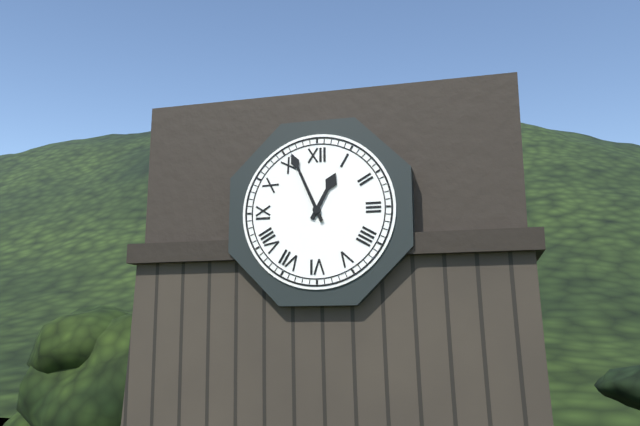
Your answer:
12 h 56 min
